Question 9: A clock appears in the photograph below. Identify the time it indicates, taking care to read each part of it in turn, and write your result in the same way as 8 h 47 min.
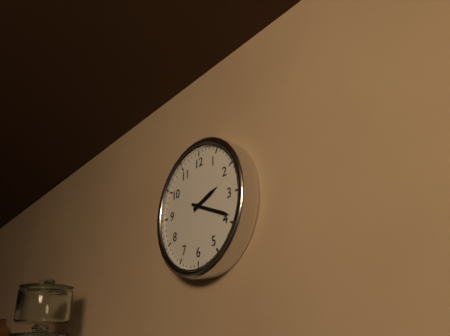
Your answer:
2 h 19 min
